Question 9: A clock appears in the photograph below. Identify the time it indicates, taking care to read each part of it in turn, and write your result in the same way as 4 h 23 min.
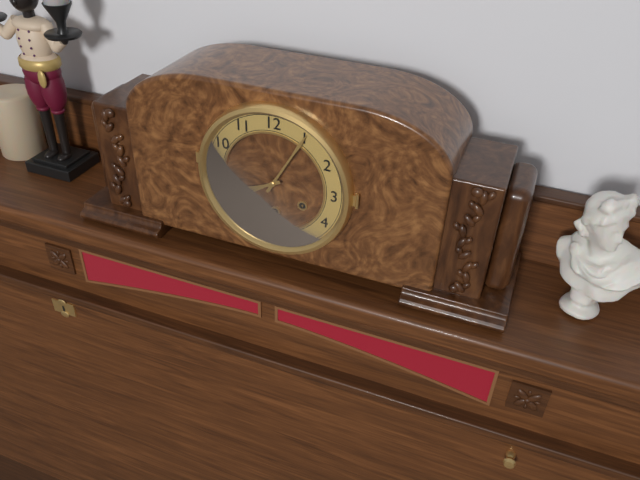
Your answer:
8 h 05 min
